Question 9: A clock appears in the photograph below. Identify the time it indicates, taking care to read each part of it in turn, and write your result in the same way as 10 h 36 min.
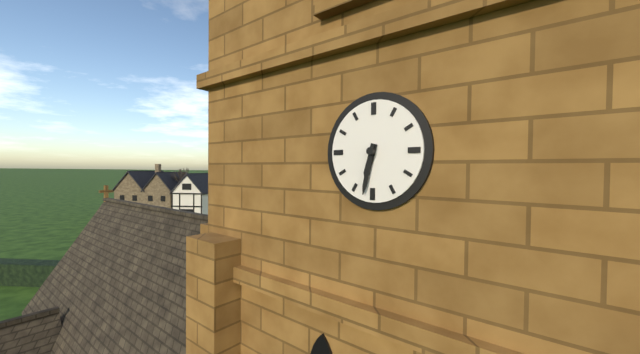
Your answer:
6 h 32 min
